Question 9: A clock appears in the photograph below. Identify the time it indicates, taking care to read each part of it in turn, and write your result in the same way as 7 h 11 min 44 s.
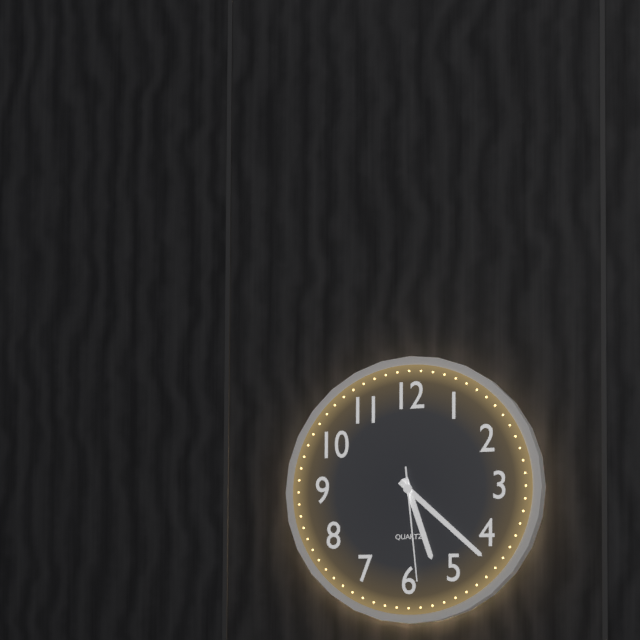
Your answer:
5 h 22 min 29 s
